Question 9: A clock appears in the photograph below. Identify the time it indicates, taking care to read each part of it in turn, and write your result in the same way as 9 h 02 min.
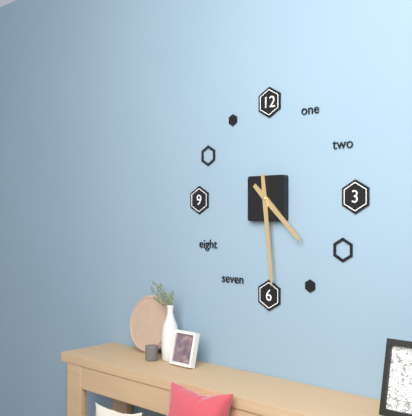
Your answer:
4 h 29 min
